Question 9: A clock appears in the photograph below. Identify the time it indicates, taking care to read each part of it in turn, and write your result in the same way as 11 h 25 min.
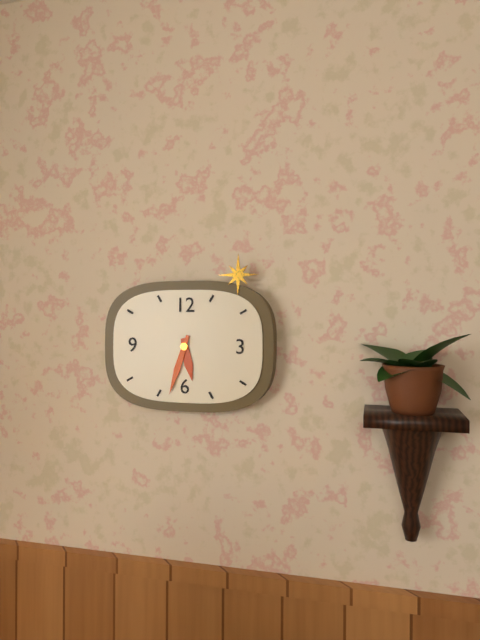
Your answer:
5 h 33 min
